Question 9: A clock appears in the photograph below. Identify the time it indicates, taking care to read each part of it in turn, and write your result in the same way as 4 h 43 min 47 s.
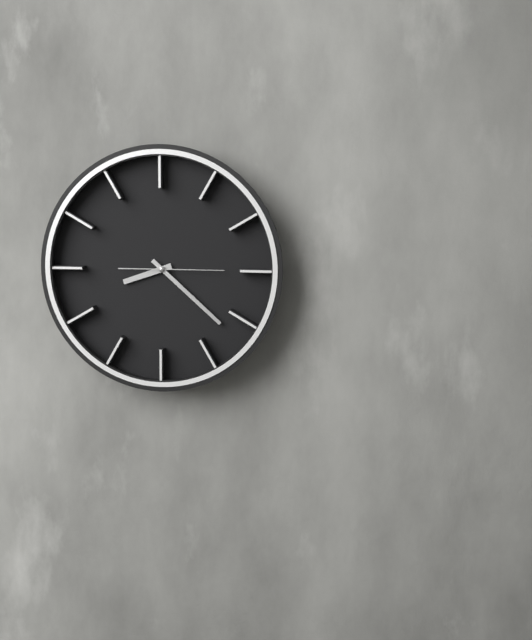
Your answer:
8 h 22 min 15 s
